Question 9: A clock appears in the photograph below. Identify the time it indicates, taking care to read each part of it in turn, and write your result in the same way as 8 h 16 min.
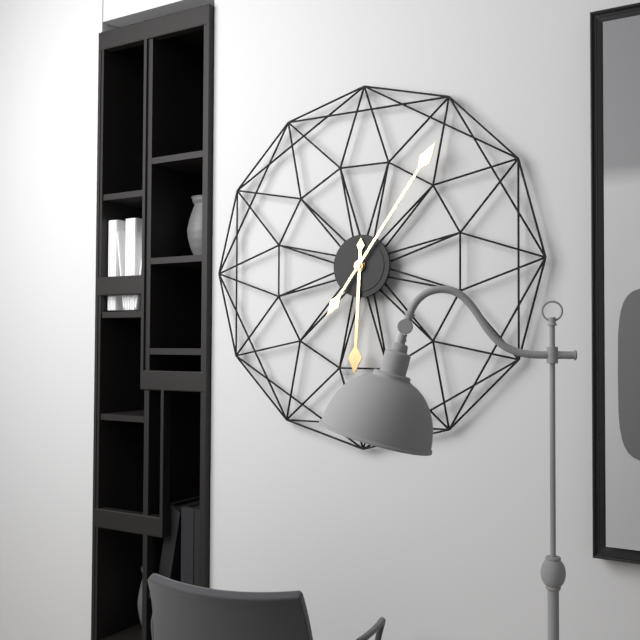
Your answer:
6 h 06 min
